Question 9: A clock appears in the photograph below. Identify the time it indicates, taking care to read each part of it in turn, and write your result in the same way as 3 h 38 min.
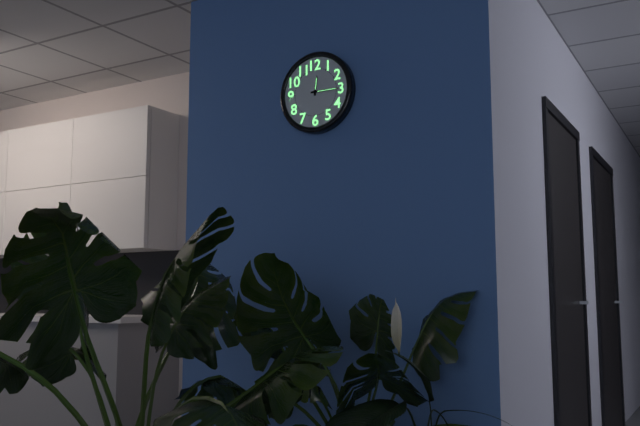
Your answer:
12 h 15 min
